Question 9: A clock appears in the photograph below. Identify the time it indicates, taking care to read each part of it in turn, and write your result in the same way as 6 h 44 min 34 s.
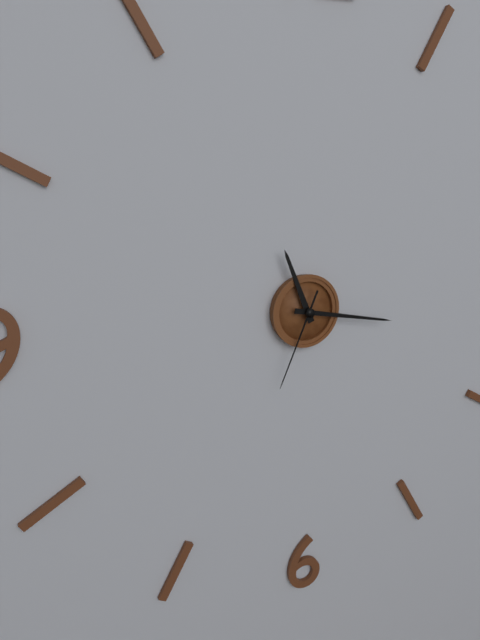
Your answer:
11 h 17 min 34 s
